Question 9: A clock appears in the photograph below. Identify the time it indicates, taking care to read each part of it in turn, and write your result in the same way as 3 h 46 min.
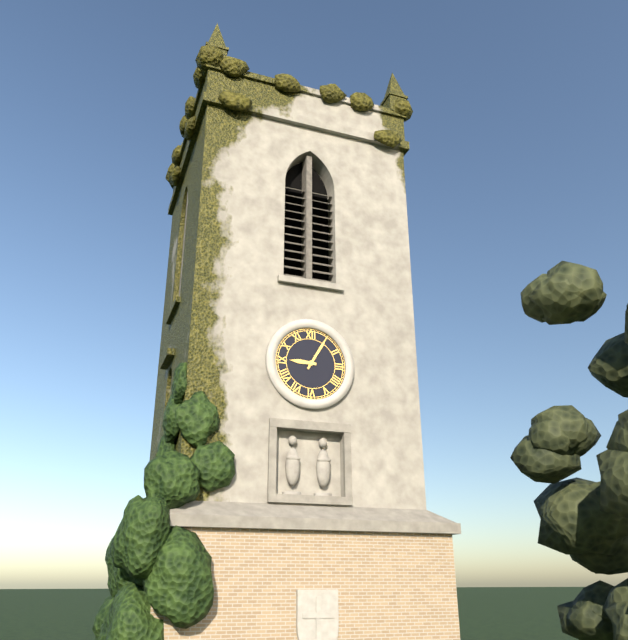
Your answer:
9 h 05 min
